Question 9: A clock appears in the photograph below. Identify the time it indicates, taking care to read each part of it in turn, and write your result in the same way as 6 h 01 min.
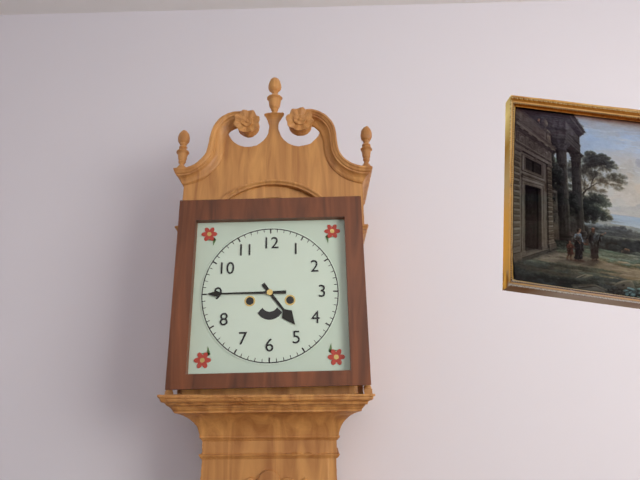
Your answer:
4 h 45 min
